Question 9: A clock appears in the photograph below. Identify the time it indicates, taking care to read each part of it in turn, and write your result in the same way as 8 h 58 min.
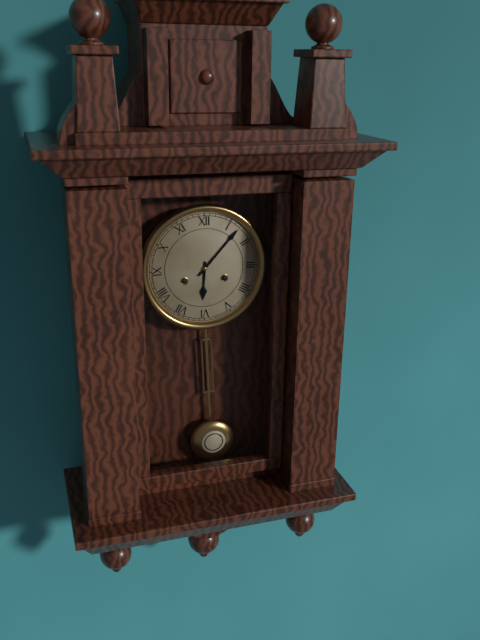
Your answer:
6 h 07 min
